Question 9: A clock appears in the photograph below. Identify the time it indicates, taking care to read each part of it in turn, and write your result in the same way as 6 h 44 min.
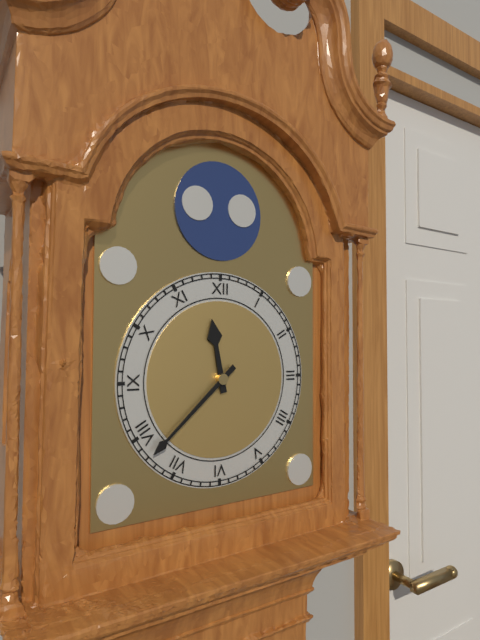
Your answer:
11 h 38 min
